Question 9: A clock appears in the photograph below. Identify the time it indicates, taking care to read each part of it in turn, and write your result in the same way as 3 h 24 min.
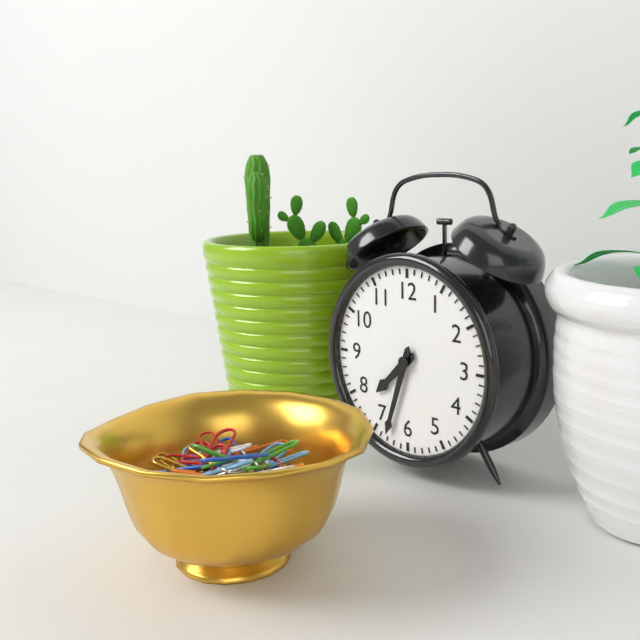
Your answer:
7 h 33 min
